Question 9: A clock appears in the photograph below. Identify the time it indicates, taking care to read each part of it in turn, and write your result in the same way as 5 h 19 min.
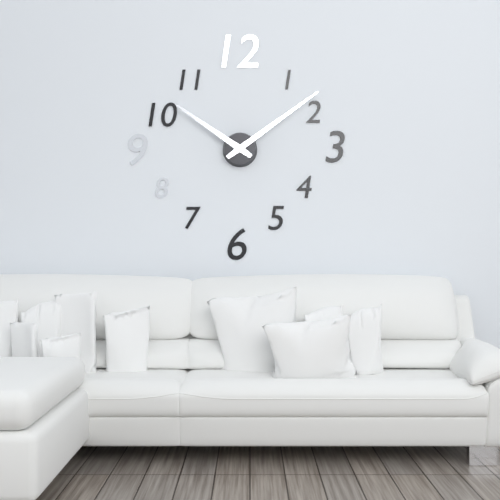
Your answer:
10 h 09 min
